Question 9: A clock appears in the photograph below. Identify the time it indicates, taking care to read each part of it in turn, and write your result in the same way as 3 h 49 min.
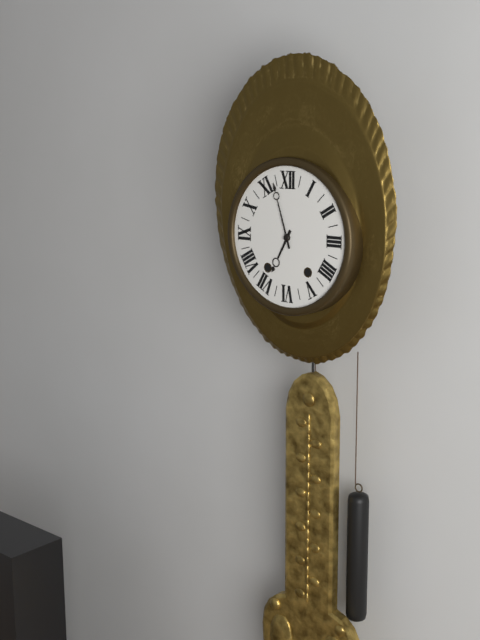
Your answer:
6 h 57 min
